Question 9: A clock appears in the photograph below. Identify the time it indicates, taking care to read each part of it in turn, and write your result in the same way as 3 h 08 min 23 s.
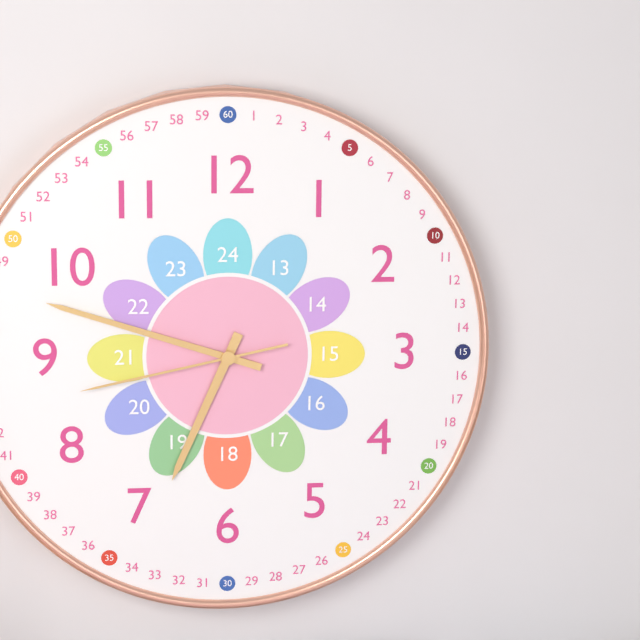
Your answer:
6 h 48 min 43 s
